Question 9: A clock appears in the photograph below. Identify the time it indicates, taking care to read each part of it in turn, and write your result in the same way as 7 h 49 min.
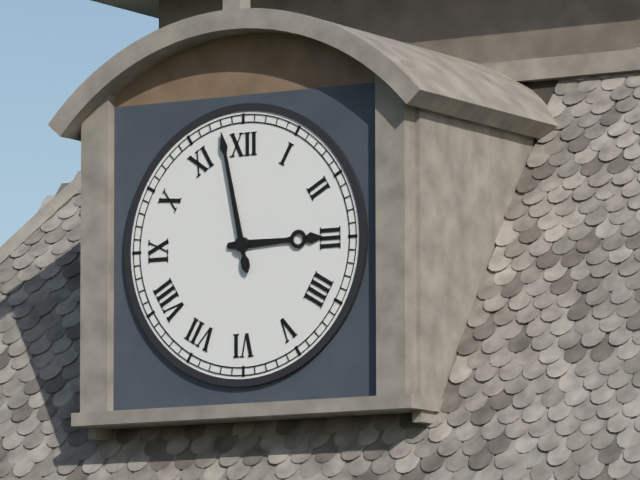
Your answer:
2 h 58 min
